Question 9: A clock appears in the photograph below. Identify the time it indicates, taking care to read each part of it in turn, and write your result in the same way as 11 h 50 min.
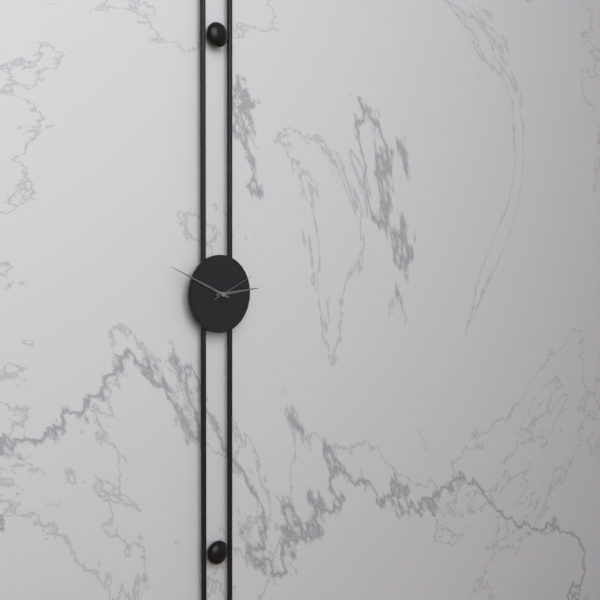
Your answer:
2 h 49 min
